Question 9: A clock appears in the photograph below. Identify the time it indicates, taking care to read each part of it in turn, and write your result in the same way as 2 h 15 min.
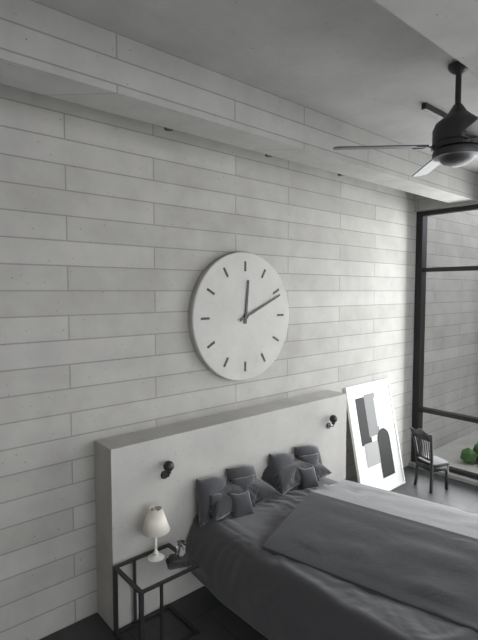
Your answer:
12 h 11 min
